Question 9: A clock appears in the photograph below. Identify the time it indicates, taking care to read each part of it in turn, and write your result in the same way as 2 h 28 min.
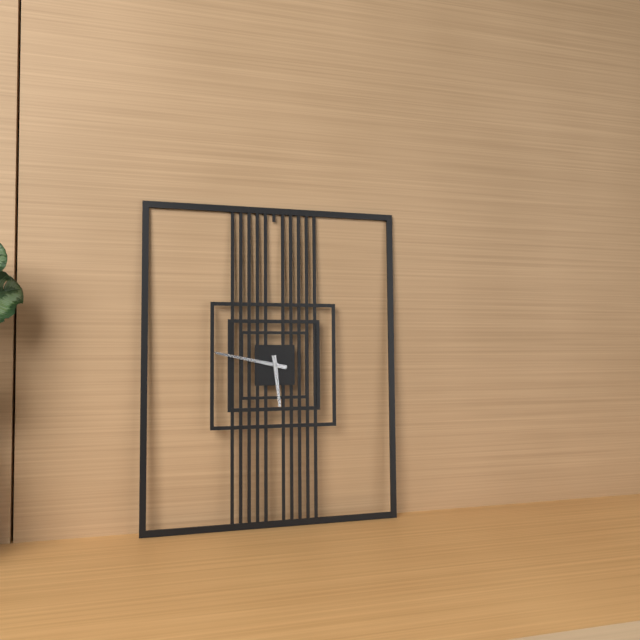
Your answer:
5 h 47 min
